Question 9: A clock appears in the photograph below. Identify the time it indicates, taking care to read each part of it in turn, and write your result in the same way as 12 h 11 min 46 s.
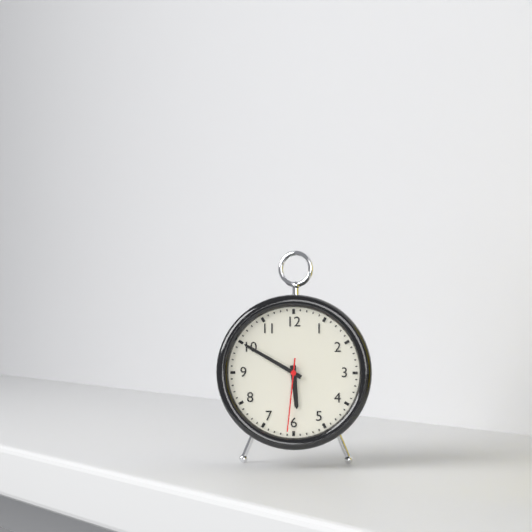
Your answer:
5 h 50 min 31 s
